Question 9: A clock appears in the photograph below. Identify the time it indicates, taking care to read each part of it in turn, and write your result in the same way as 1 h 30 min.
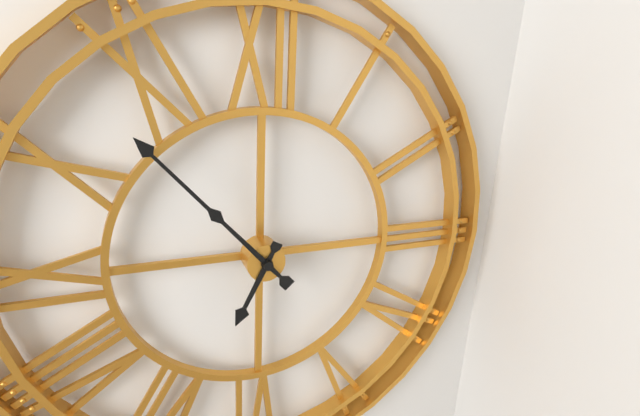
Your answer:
6 h 53 min
